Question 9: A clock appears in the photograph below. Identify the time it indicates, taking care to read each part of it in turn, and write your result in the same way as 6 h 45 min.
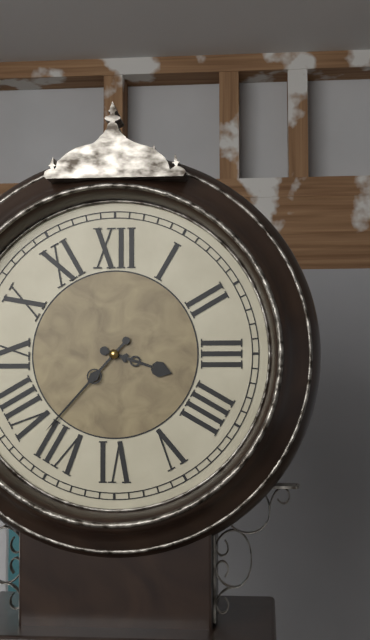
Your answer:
3 h 37 min
